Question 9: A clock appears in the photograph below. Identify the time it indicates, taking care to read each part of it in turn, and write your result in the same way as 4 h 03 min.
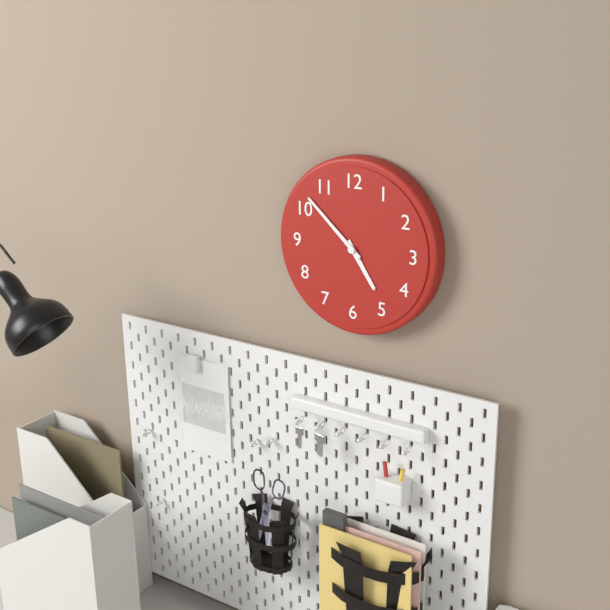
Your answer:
4 h 52 min
